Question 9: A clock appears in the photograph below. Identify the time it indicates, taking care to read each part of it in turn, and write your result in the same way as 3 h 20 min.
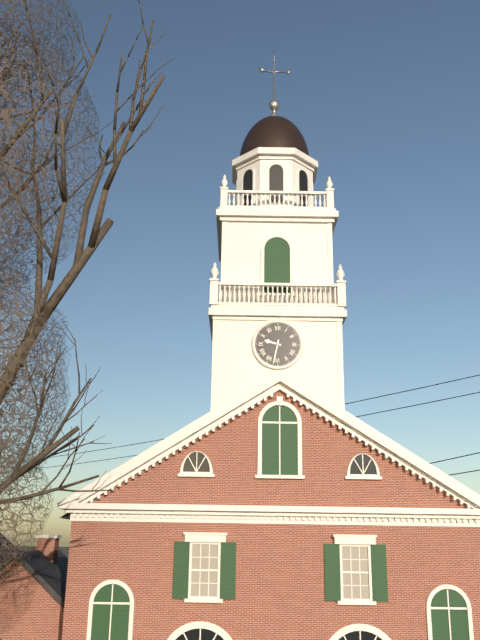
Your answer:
9 h 32 min
